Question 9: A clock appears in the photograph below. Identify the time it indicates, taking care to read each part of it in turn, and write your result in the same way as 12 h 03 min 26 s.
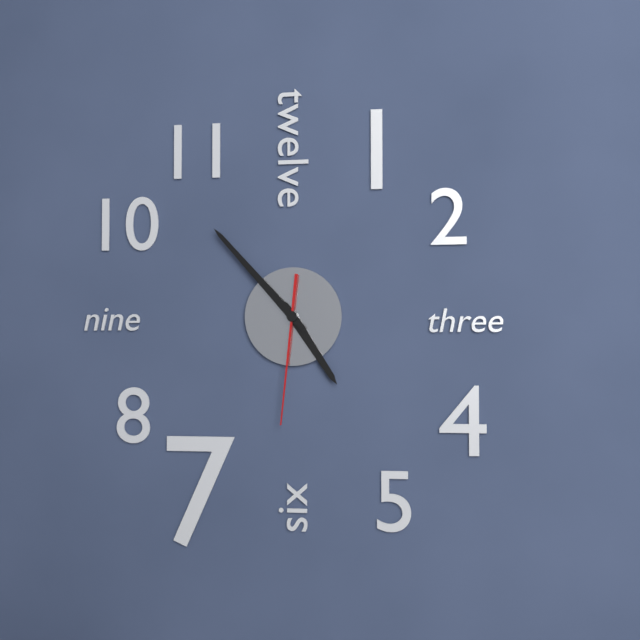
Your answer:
4 h 53 min 31 s
